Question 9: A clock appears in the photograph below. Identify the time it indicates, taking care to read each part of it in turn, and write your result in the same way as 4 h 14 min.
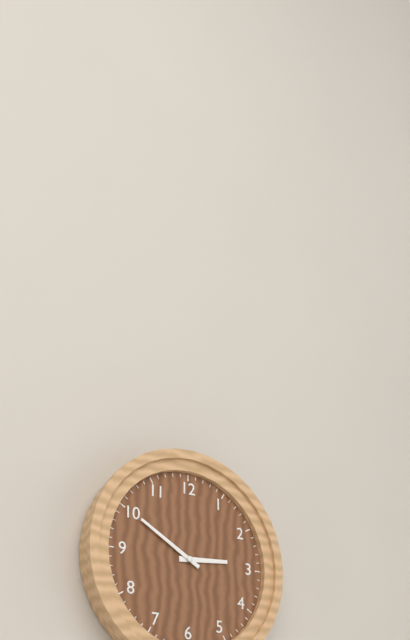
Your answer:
2 h 50 min
